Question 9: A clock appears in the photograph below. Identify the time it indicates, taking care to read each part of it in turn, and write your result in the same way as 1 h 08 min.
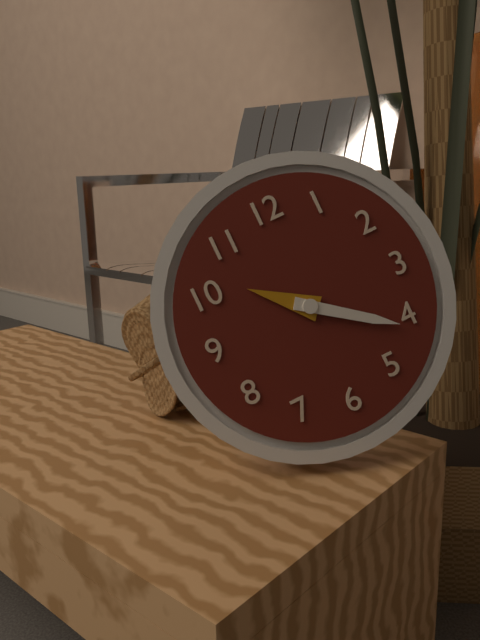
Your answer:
10 h 21 min
